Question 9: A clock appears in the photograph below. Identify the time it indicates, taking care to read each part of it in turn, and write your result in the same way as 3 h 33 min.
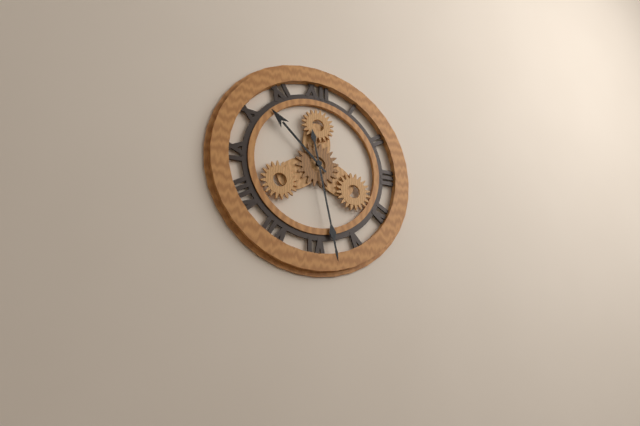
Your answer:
10 h 28 min
